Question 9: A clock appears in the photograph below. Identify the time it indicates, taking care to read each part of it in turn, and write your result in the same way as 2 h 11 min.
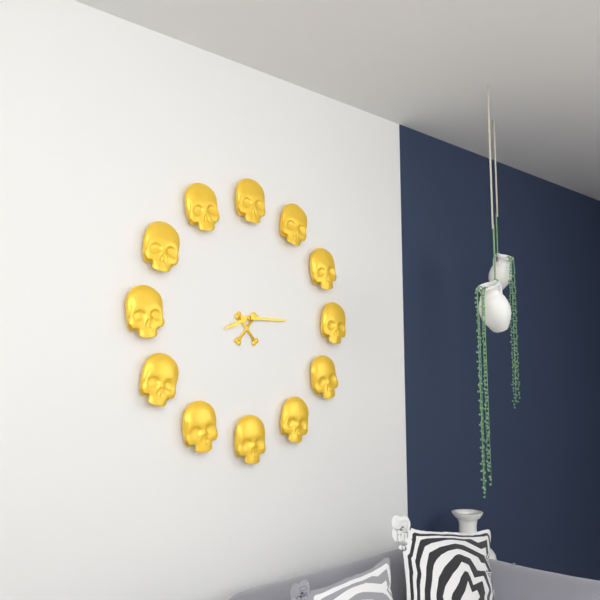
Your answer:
8 h 15 min
